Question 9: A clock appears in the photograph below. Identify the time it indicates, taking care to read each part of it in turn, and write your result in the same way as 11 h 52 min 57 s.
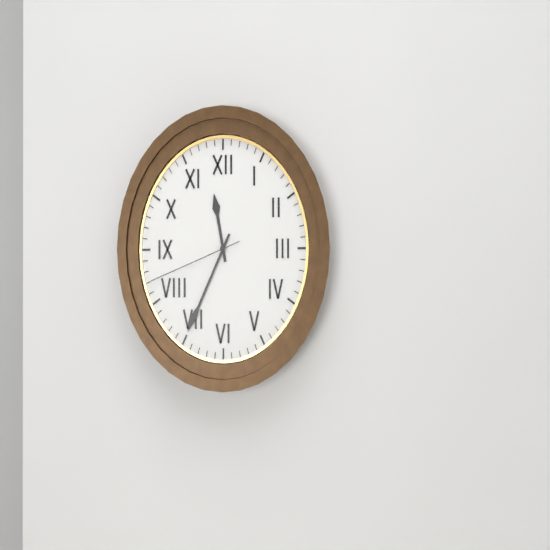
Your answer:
11 h 35 min 42 s
